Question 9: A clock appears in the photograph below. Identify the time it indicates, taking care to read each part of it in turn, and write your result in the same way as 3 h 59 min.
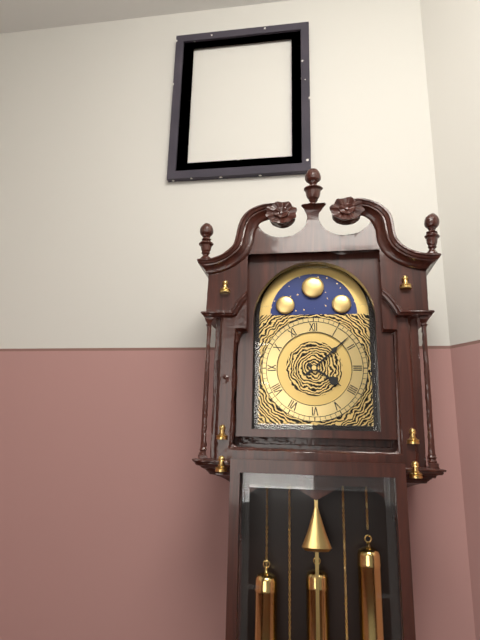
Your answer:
4 h 08 min
